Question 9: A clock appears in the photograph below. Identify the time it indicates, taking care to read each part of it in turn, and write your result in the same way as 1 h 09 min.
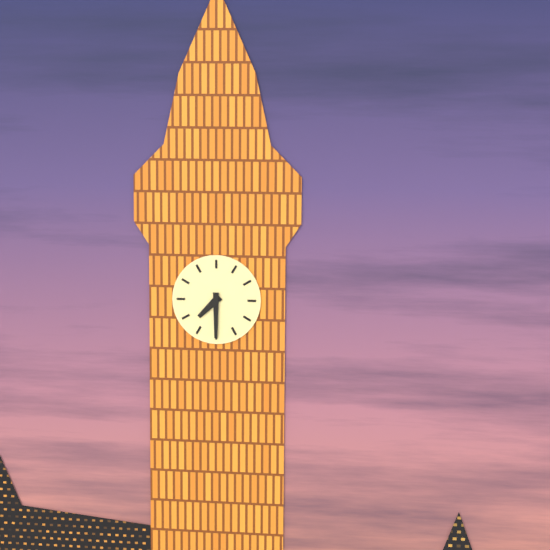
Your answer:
7 h 30 min
